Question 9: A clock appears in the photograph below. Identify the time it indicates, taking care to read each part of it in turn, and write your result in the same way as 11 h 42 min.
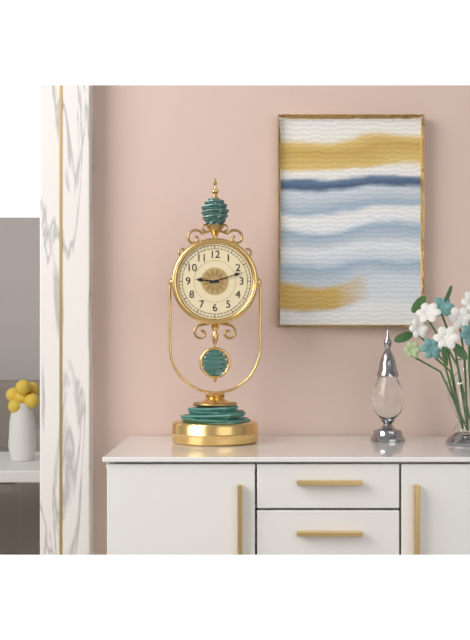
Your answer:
9 h 12 min
